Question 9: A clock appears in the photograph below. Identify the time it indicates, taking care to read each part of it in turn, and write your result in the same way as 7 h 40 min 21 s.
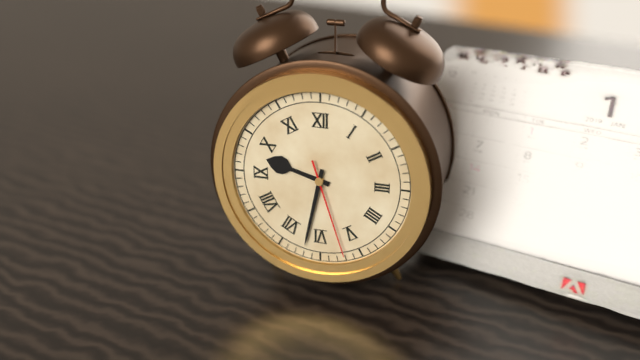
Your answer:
9 h 32 min 27 s
